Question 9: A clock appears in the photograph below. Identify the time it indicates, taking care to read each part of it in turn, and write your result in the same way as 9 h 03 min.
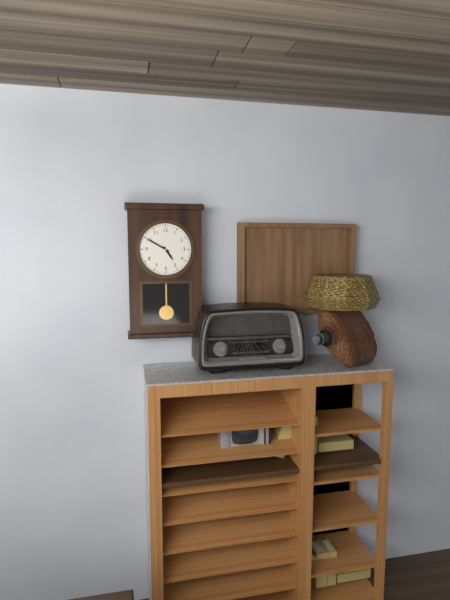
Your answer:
4 h 50 min
